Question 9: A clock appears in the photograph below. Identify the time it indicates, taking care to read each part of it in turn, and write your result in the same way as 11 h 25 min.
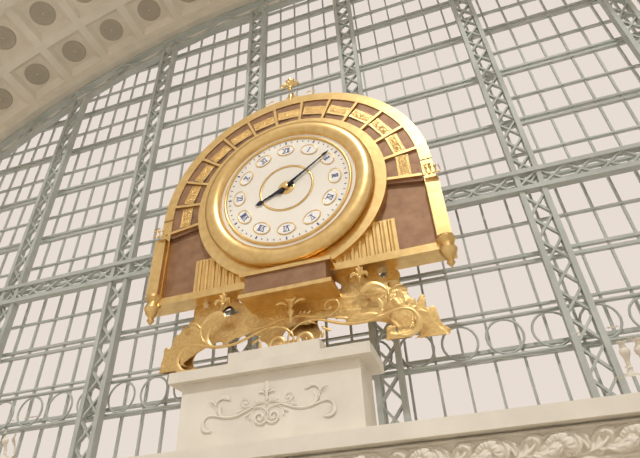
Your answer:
8 h 09 min
